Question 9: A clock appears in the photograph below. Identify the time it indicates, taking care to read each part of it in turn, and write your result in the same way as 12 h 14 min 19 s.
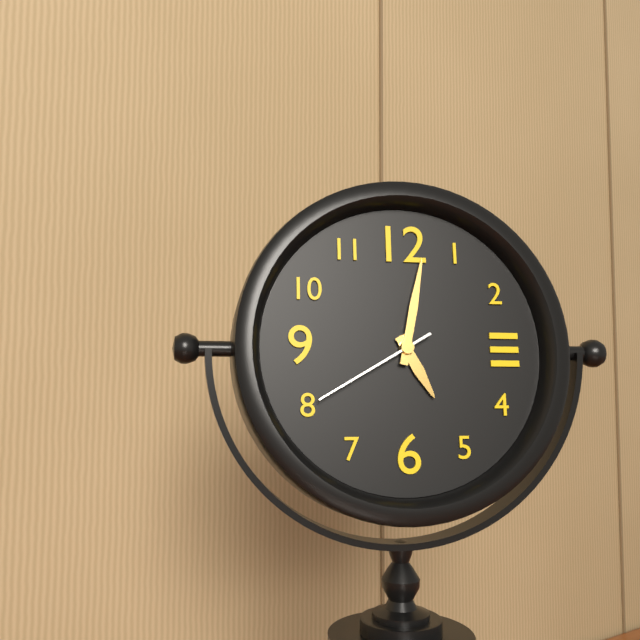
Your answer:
5 h 02 min 40 s
